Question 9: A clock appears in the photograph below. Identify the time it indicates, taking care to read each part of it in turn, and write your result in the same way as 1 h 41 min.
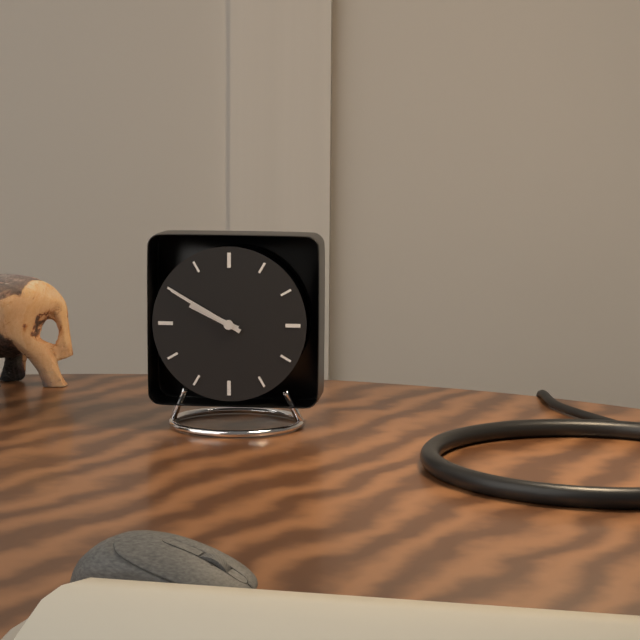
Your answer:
9 h 50 min
